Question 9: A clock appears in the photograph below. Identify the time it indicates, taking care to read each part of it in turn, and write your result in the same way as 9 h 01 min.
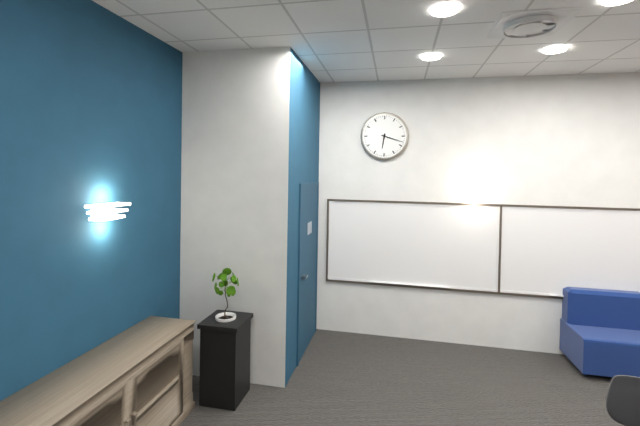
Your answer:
6 h 18 min
